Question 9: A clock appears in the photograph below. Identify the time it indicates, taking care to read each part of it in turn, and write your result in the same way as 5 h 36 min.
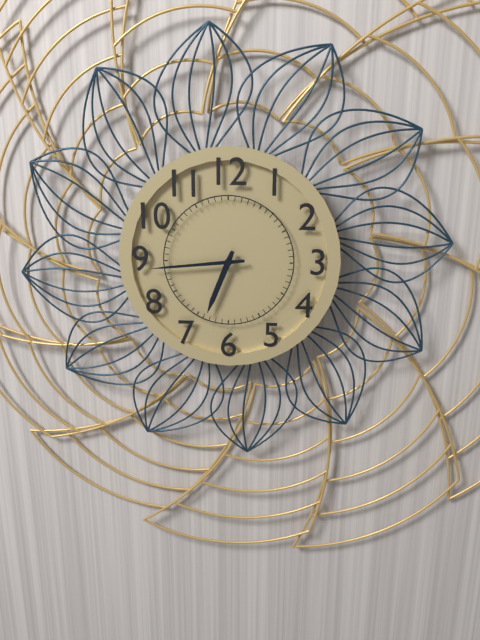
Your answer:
6 h 44 min
